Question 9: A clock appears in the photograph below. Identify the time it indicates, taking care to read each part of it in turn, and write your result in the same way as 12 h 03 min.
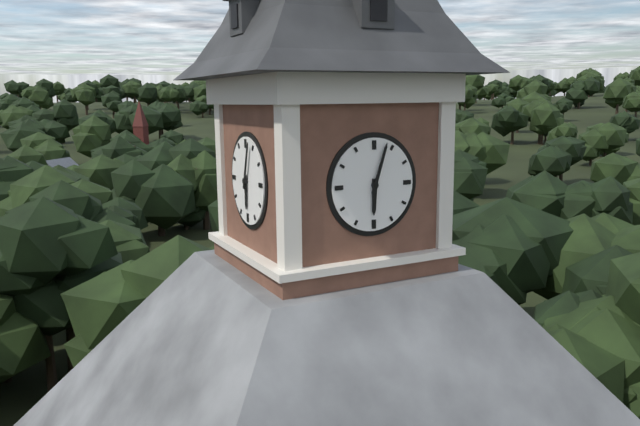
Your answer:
6 h 03 min
